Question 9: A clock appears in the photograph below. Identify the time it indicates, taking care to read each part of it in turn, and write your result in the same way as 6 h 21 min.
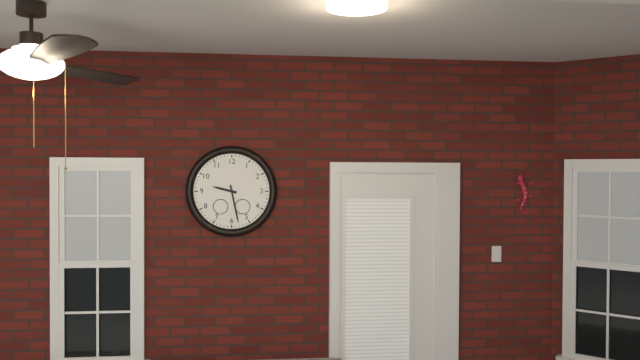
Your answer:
9 h 28 min
